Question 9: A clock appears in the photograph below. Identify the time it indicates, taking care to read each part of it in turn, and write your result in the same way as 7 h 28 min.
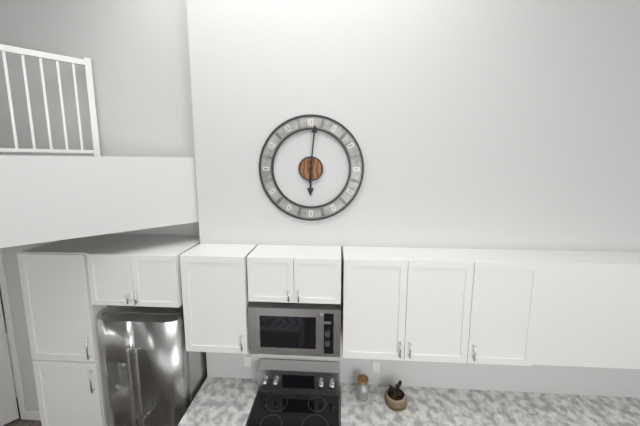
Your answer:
6 h 01 min
